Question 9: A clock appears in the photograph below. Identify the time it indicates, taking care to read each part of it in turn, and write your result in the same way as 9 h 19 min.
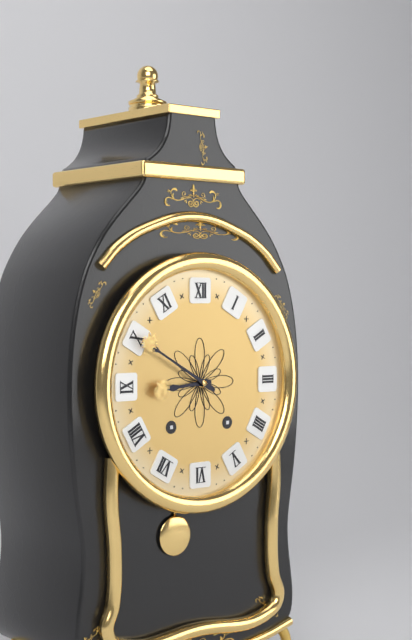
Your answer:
8 h 50 min
